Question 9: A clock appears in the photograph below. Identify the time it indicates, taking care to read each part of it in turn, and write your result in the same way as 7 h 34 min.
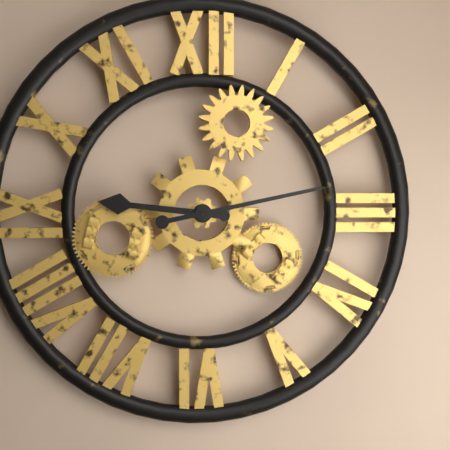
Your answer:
9 h 13 min
